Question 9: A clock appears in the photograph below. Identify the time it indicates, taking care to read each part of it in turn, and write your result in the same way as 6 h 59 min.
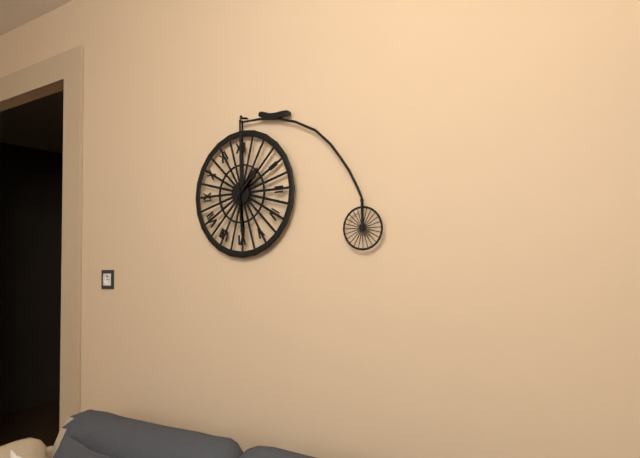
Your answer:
1 h 29 min
